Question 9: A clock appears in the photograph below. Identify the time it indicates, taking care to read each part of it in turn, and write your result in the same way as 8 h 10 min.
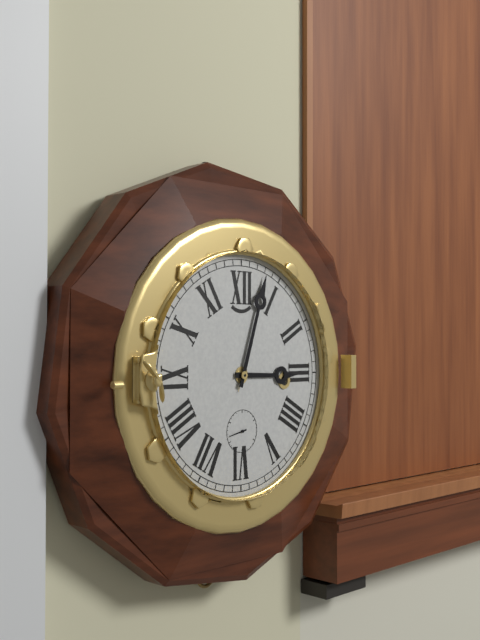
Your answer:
3 h 03 min
